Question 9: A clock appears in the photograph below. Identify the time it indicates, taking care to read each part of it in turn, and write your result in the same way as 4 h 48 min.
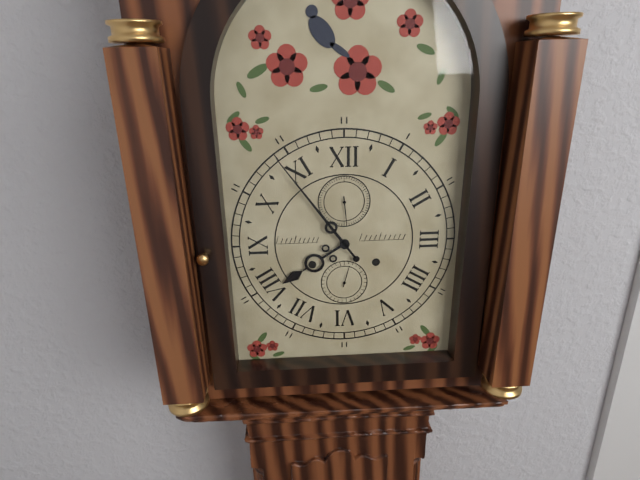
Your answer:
7 h 54 min
